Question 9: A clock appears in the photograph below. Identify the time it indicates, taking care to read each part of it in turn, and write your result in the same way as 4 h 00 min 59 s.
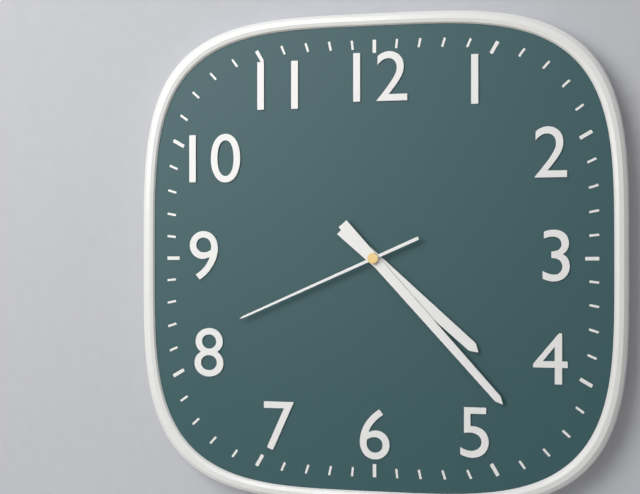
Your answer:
4 h 23 min 41 s
